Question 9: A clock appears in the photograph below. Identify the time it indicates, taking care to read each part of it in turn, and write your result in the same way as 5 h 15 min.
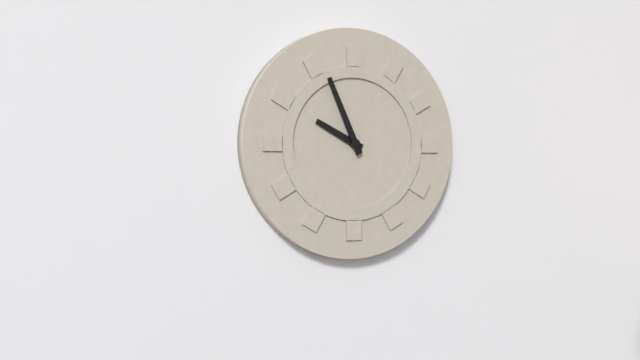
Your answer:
9 h 56 min
